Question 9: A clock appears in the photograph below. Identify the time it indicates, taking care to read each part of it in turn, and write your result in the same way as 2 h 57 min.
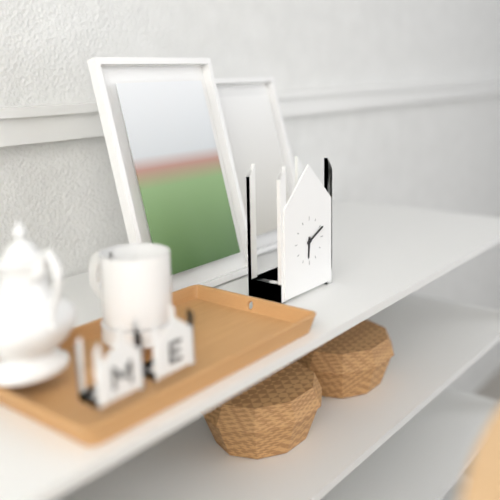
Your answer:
6 h 11 min
